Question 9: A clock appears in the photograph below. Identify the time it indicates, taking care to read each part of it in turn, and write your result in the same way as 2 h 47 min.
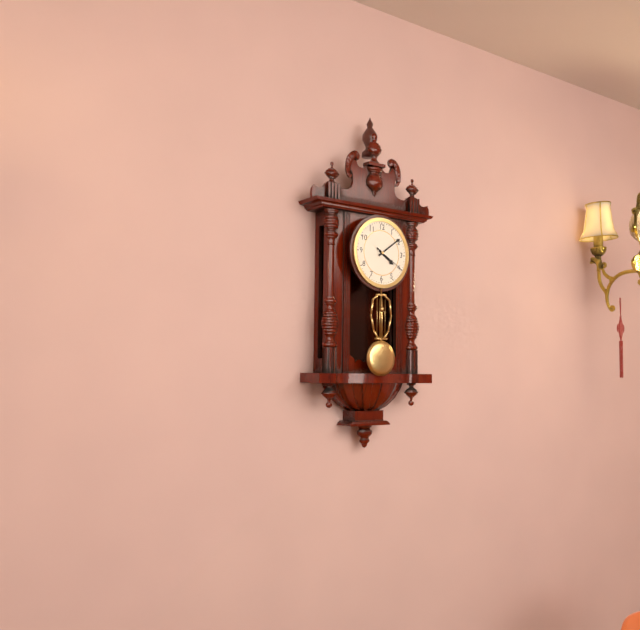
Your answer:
4 h 09 min
